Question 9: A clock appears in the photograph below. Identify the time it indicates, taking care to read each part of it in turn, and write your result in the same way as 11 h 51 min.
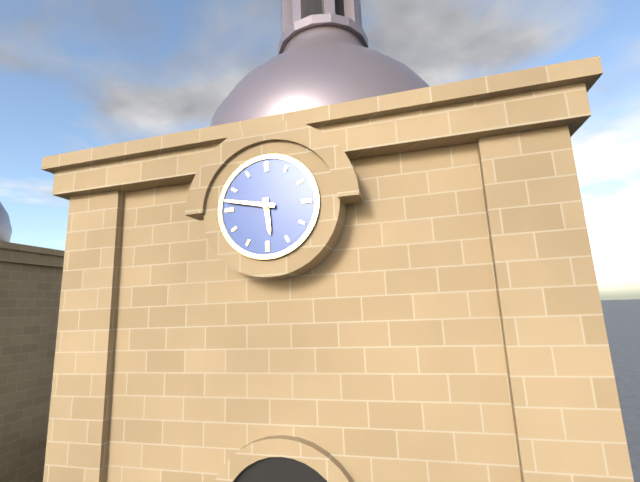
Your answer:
5 h 47 min
